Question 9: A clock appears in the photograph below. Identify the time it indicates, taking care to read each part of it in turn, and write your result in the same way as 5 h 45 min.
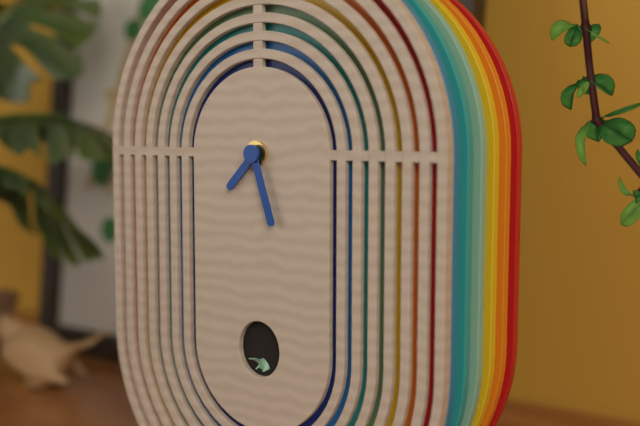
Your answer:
7 h 27 min
